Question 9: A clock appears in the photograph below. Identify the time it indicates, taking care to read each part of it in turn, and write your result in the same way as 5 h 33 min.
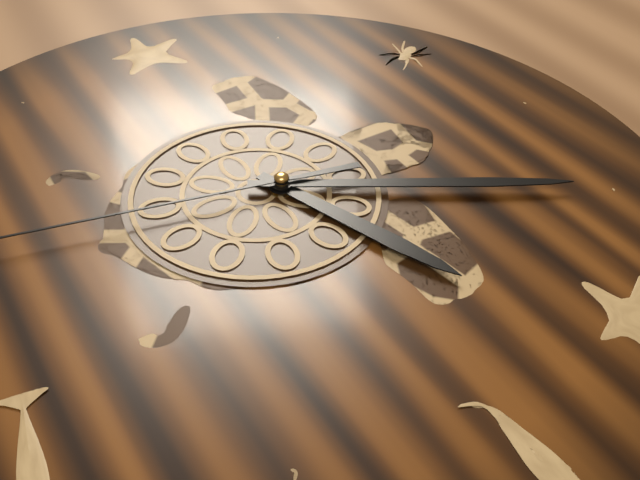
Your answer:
5 h 20 min
